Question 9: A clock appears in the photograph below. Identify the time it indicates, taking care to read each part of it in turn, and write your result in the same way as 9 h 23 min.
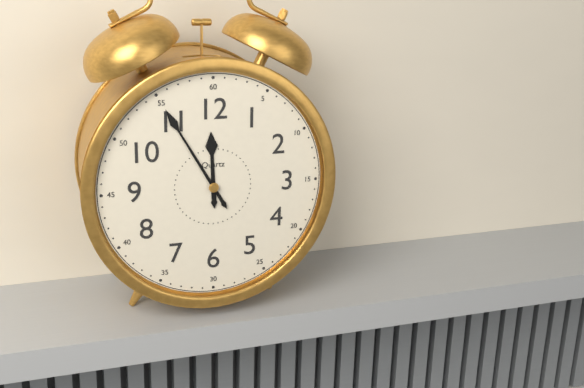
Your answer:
11 h 55 min
